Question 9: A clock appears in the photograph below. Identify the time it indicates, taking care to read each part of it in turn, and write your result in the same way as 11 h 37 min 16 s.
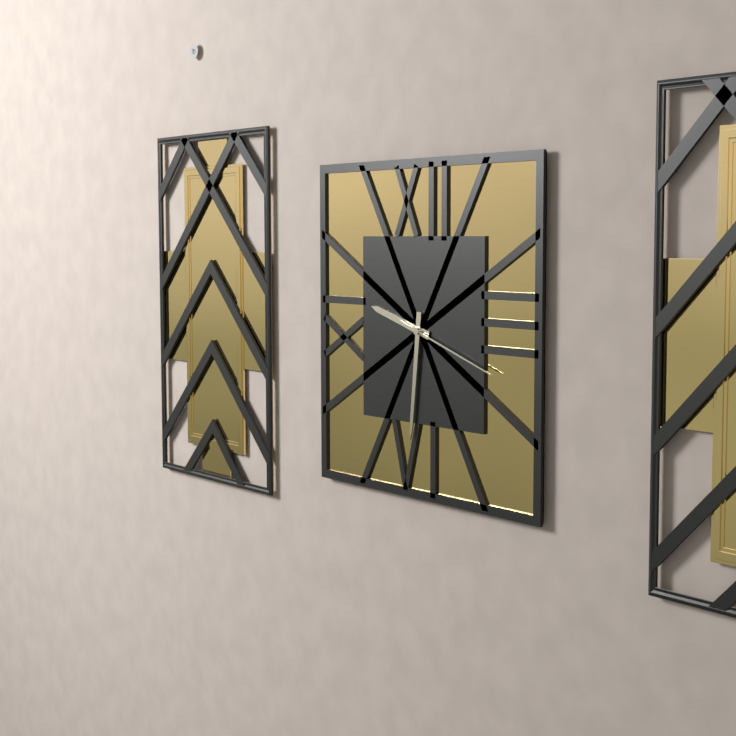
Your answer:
9 h 31 min 18 s
